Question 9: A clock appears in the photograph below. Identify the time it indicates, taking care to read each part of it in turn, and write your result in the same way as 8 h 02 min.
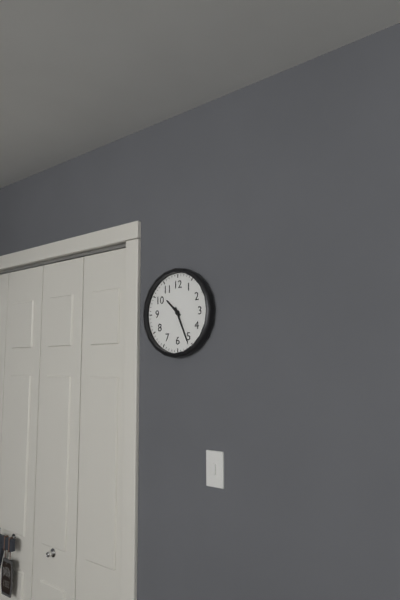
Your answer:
10 h 26 min
